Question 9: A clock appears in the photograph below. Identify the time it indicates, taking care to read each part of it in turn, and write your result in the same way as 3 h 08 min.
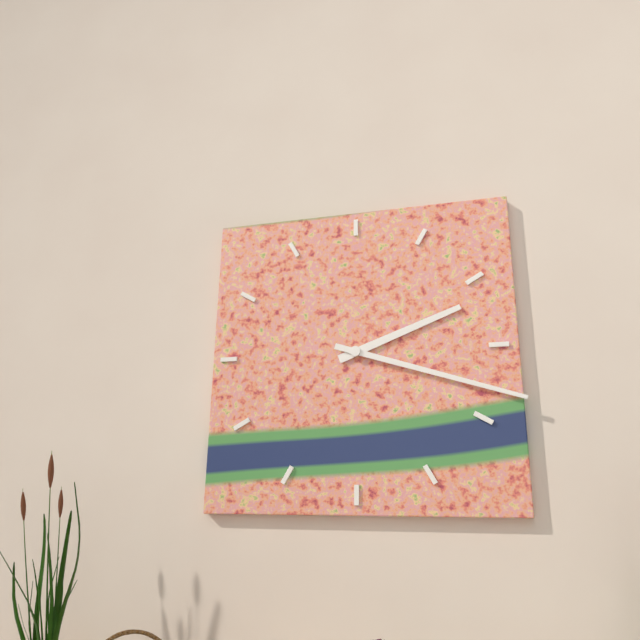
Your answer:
2 h 18 min
